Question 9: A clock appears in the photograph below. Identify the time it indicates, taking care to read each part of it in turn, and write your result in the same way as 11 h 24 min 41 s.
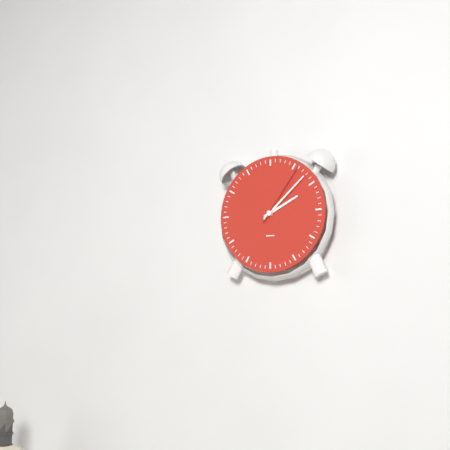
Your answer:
2 h 08 min 06 s
